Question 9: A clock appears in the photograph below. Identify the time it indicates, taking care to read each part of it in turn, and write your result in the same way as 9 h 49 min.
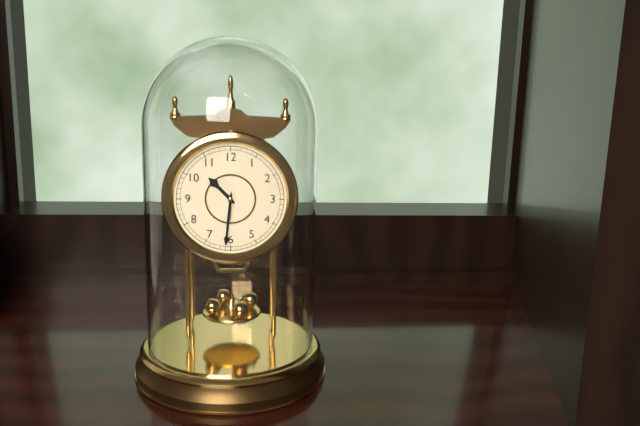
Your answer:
10 h 31 min
